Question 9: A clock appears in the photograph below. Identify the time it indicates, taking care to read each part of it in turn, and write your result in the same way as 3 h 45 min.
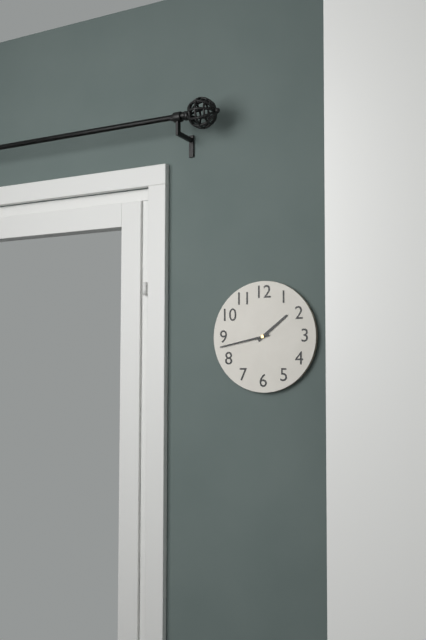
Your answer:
1 h 43 min
